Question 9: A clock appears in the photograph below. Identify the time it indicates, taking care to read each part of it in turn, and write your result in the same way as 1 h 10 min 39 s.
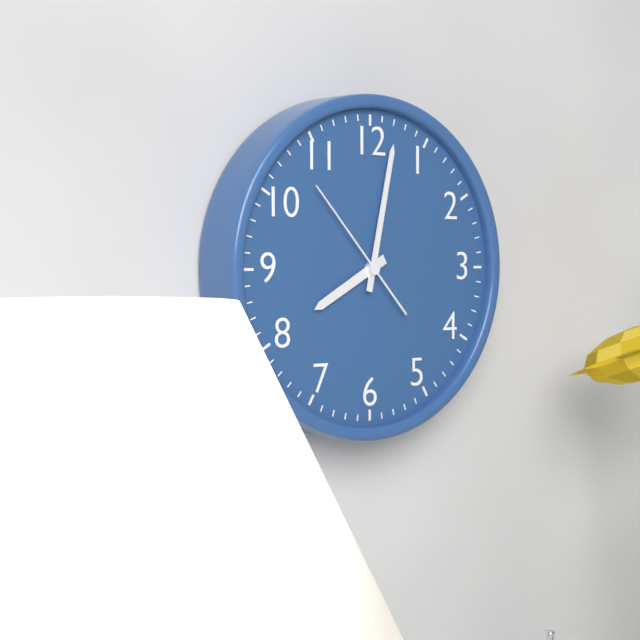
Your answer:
8 h 02 min 53 s
